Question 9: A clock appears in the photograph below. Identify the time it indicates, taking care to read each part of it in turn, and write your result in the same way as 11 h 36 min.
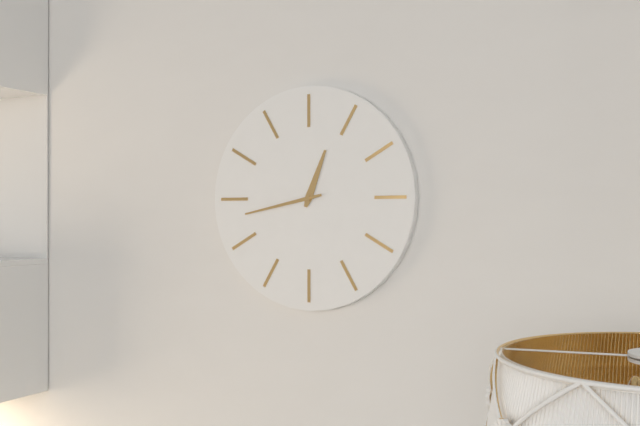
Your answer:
12 h 43 min
